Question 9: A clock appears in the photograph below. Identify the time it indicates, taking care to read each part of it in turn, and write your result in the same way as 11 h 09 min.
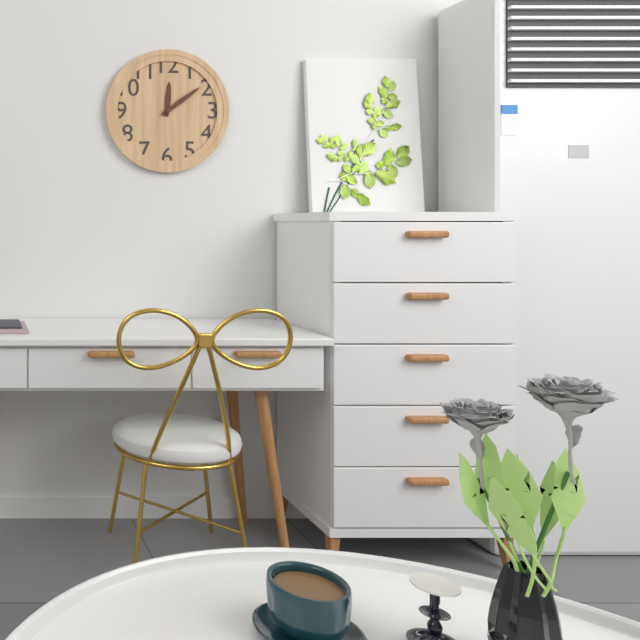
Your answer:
12 h 09 min
